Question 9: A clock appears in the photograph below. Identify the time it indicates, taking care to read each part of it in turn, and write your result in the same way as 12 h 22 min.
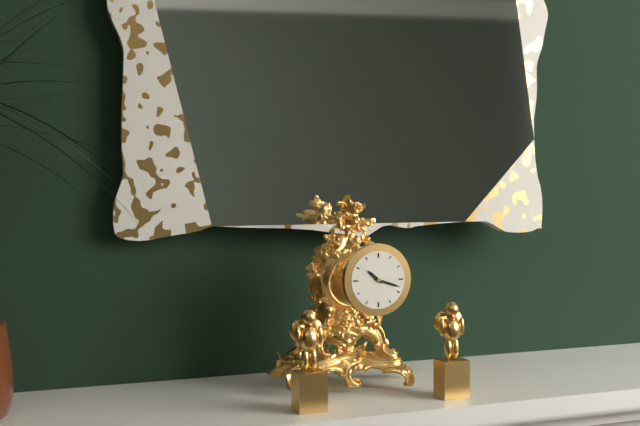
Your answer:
10 h 18 min
